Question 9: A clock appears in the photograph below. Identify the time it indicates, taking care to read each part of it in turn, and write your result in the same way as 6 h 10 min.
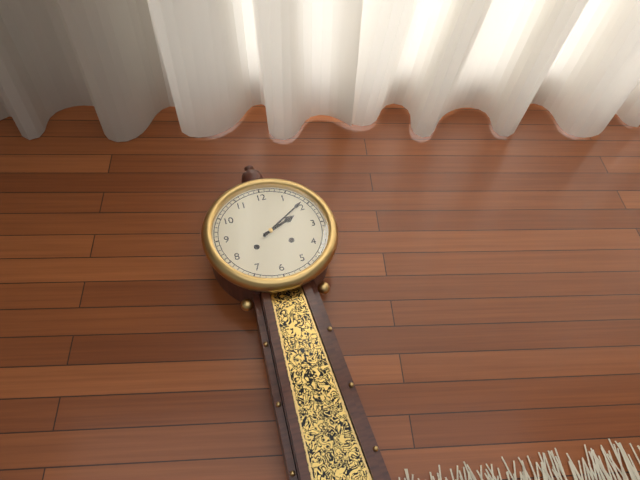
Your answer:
2 h 09 min
